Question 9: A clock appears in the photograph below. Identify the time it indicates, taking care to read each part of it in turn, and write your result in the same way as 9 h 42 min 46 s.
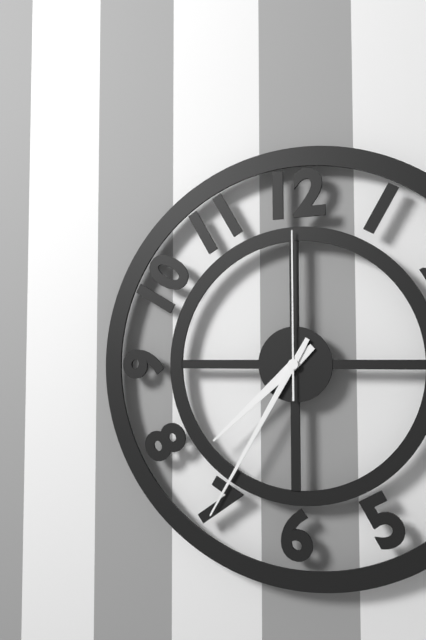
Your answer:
7 h 35 min 00 s
